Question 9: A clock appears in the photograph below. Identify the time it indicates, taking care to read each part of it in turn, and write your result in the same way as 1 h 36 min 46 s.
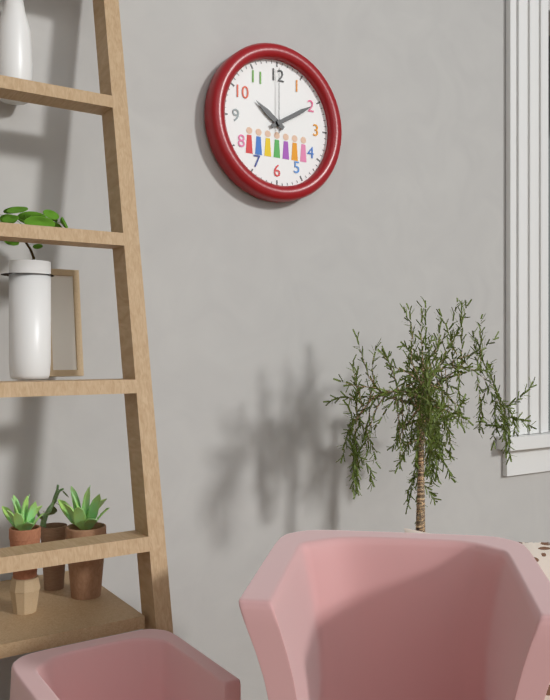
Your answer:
10 h 10 min 00 s
